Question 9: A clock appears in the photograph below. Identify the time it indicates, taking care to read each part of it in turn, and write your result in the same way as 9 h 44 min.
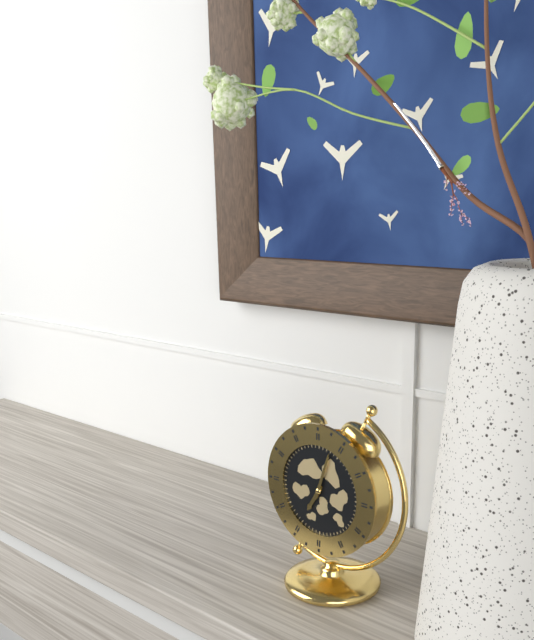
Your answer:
7 h 03 min
